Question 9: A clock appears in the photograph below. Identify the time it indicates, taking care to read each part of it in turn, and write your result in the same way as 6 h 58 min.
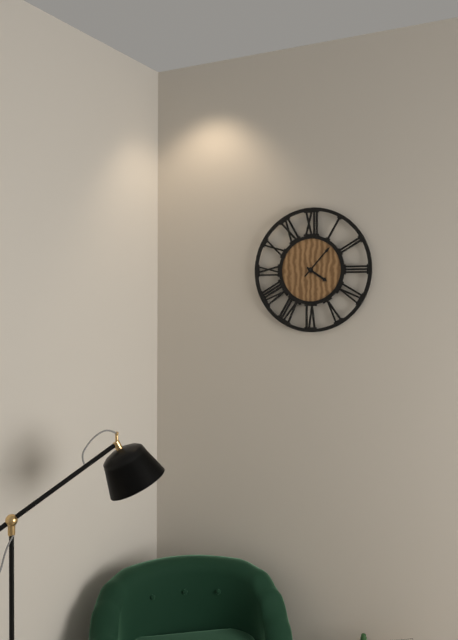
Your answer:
4 h 07 min
